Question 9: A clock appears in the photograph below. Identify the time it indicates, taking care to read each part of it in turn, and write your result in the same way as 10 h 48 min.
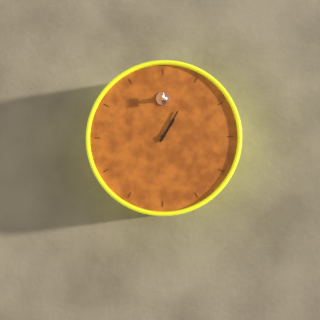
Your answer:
1 h 05 min
